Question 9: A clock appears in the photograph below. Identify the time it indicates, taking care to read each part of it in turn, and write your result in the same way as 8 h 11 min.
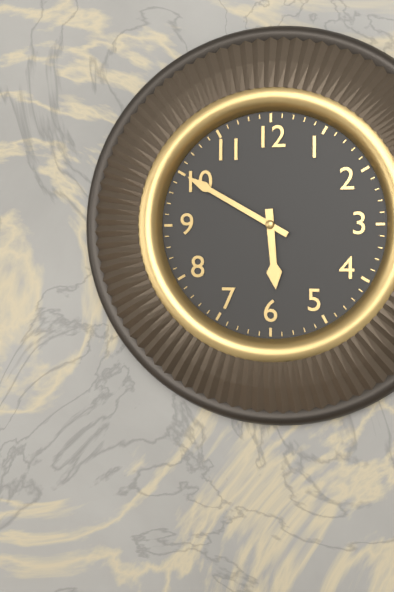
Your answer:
5 h 50 min
